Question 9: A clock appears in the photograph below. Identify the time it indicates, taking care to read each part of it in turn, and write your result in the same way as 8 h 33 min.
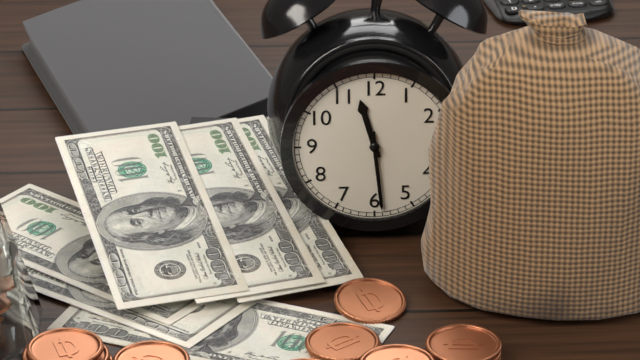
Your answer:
11 h 29 min
